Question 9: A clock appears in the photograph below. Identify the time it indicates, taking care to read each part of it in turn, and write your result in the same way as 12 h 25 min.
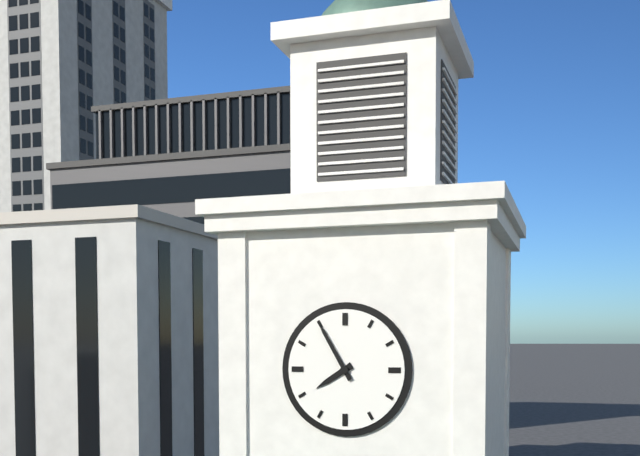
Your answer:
7 h 55 min
